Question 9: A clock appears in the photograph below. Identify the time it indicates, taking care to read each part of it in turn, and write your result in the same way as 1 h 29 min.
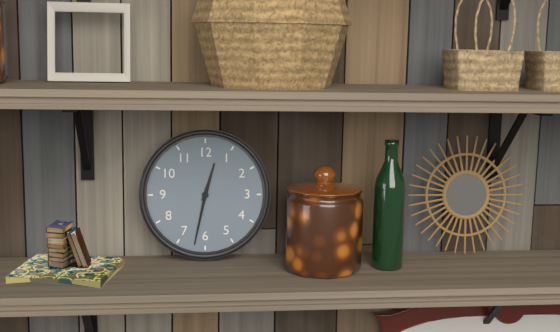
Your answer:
12 h 32 min
